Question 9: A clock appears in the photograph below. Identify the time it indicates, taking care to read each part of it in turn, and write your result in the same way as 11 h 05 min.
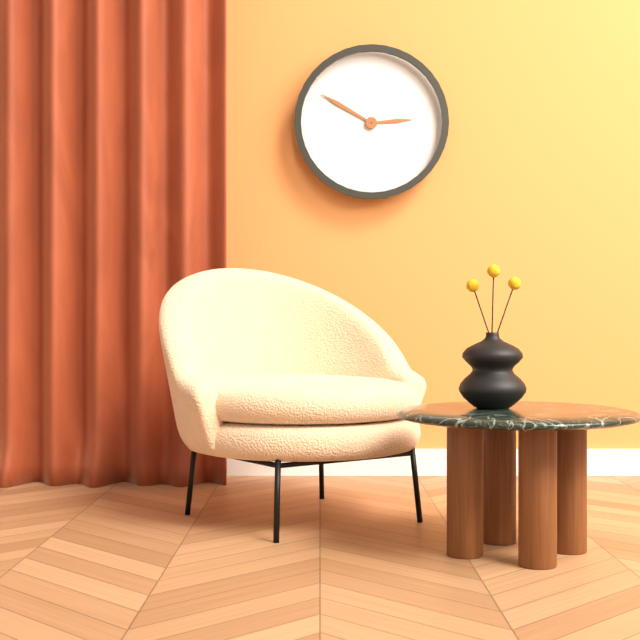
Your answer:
2 h 50 min
